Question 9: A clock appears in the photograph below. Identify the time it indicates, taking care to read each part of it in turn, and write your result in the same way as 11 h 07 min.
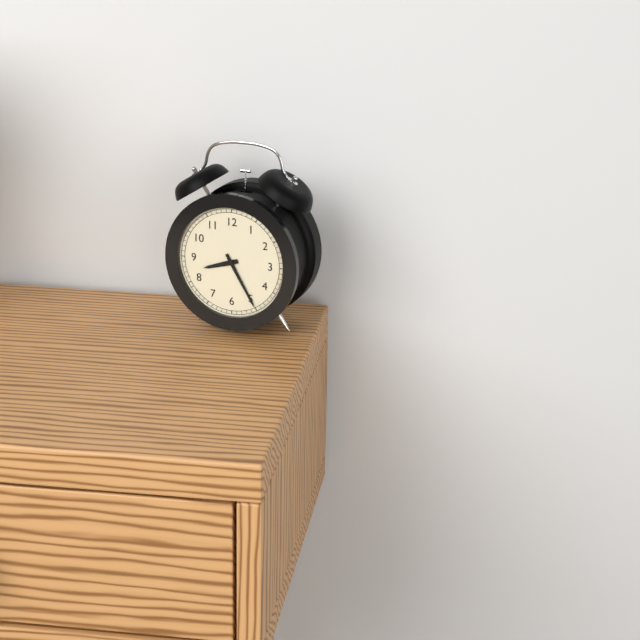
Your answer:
8 h 25 min
